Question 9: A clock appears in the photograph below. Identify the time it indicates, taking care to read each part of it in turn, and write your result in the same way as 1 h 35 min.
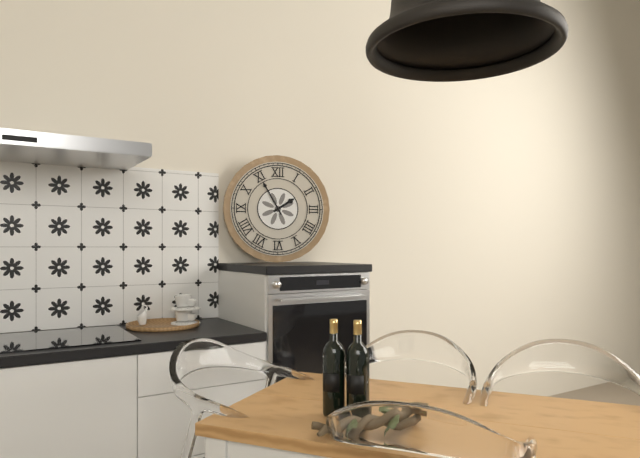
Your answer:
1 h 55 min
